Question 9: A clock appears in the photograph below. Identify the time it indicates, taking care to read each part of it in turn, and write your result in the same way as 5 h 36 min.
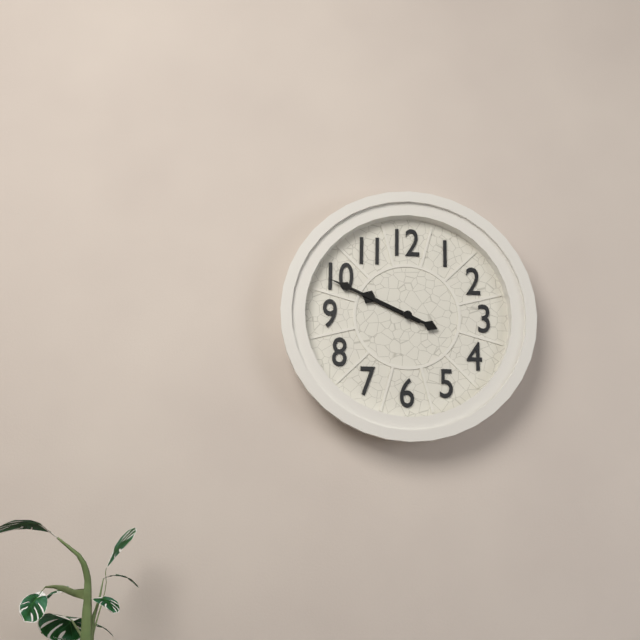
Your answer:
9 h 49 min
